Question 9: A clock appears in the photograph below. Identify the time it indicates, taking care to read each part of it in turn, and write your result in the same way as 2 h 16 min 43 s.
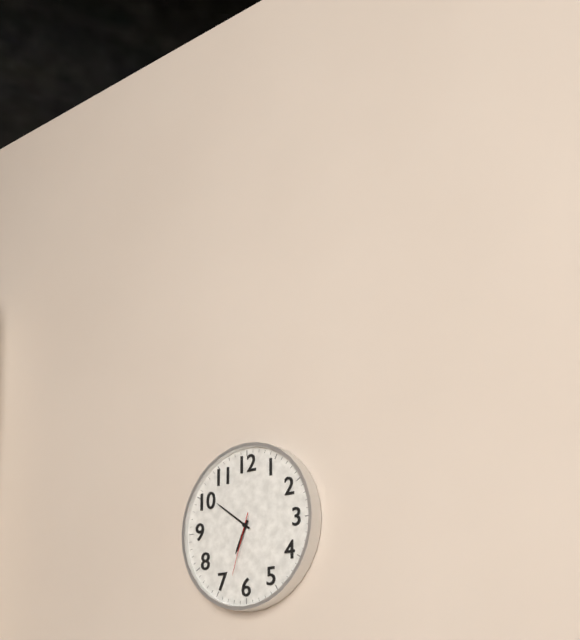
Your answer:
6 h 51 min 33 s
